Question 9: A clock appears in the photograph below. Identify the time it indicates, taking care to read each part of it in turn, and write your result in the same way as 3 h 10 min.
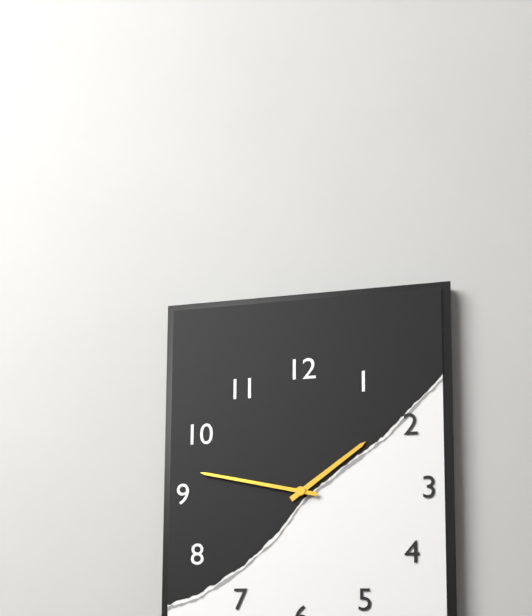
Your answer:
1 h 47 min
